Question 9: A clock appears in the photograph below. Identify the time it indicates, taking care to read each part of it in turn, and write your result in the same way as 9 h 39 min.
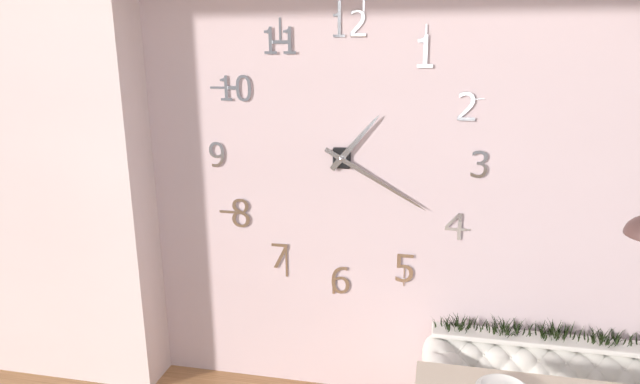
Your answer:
1 h 20 min
